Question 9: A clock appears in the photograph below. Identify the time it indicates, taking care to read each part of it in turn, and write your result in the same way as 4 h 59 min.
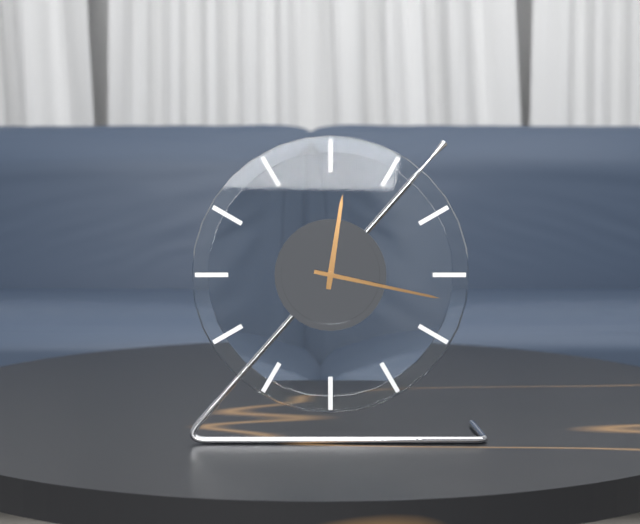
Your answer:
12 h 17 min
